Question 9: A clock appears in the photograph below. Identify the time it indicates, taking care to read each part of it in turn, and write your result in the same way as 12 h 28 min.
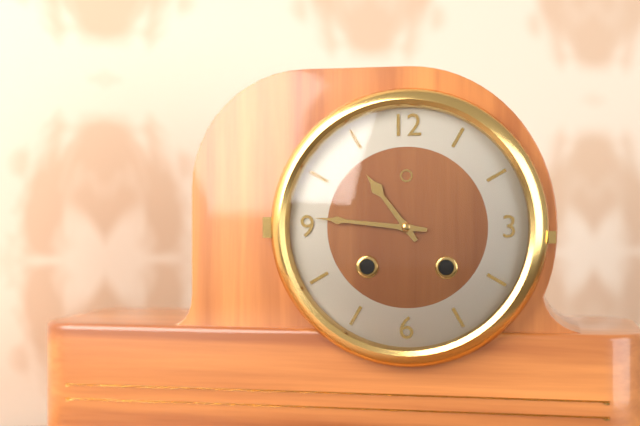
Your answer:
10 h 46 min
